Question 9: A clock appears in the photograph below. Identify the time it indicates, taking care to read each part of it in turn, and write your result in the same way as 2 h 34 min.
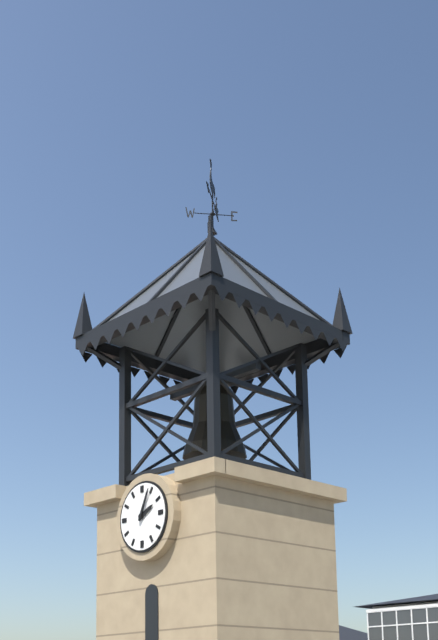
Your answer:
2 h 04 min
